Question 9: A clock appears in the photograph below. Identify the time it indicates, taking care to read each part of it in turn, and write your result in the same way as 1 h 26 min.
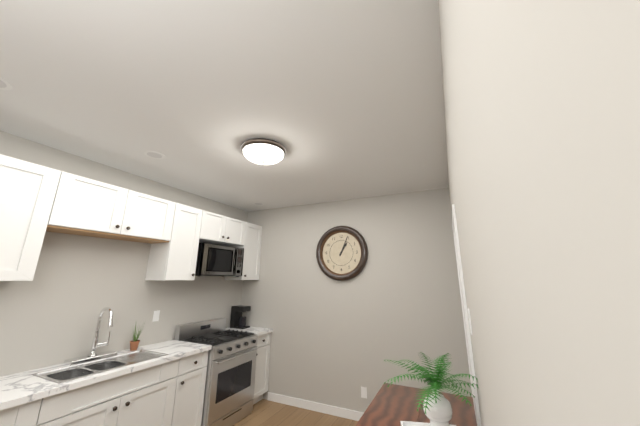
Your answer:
1 h 04 min
